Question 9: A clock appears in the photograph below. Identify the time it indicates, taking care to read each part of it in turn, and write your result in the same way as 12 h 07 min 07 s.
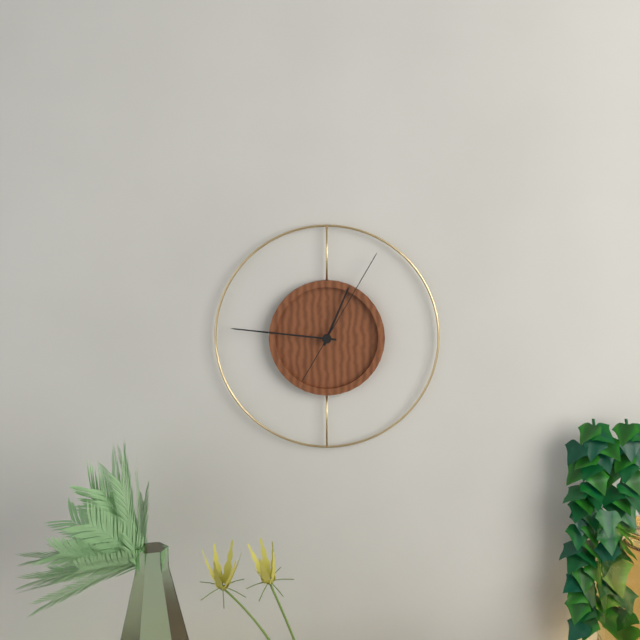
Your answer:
12 h 46 min 05 s
